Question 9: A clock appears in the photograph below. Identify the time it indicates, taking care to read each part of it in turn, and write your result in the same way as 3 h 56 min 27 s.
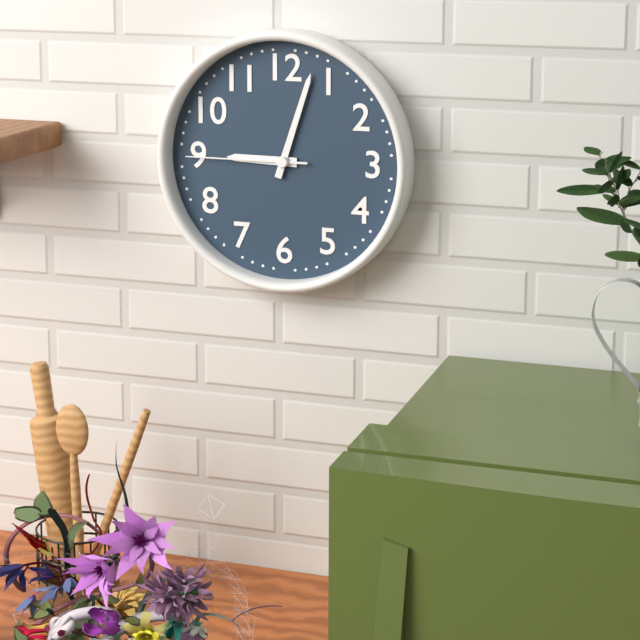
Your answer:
9 h 03 min 45 s
